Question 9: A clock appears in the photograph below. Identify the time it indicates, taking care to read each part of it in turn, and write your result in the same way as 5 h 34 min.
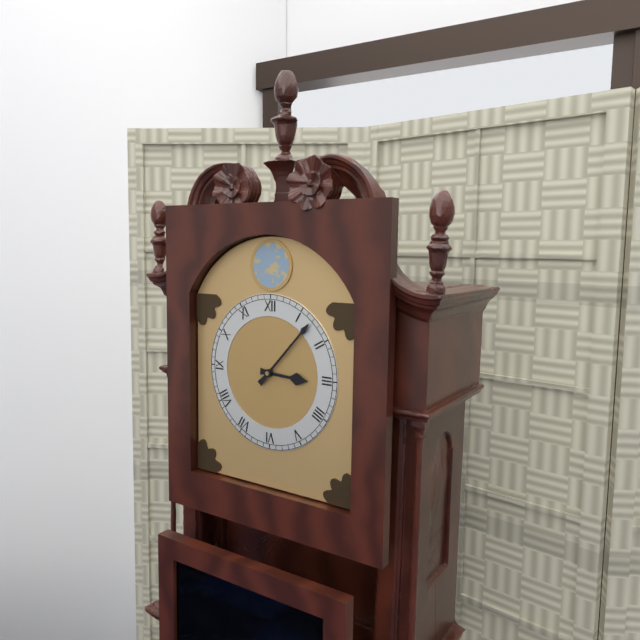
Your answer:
3 h 07 min
